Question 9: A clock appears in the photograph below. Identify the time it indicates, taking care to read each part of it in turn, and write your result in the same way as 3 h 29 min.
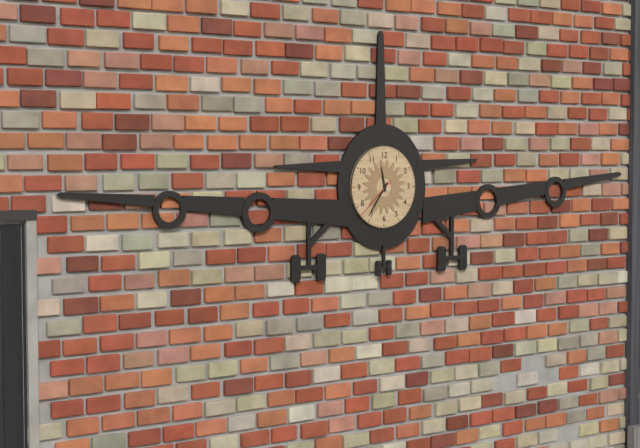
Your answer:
11 h 36 min
